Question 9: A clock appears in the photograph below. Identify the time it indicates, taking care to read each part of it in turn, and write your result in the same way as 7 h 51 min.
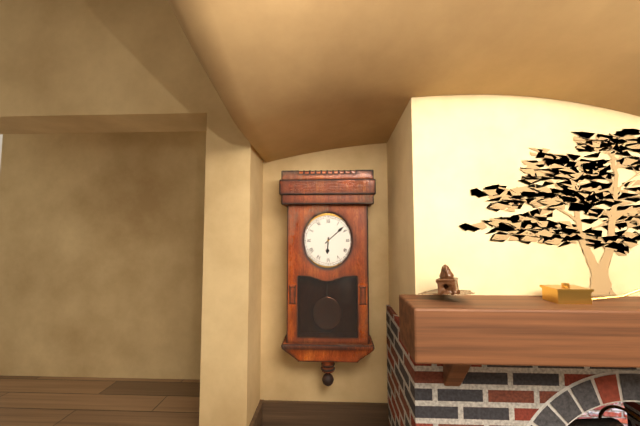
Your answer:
6 h 08 min
